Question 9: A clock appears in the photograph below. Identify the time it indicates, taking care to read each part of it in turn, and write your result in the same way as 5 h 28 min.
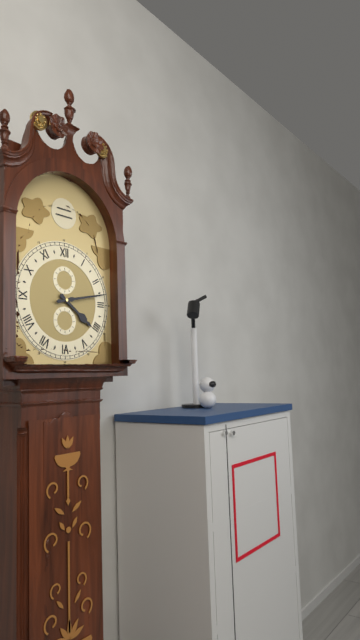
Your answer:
4 h 13 min
